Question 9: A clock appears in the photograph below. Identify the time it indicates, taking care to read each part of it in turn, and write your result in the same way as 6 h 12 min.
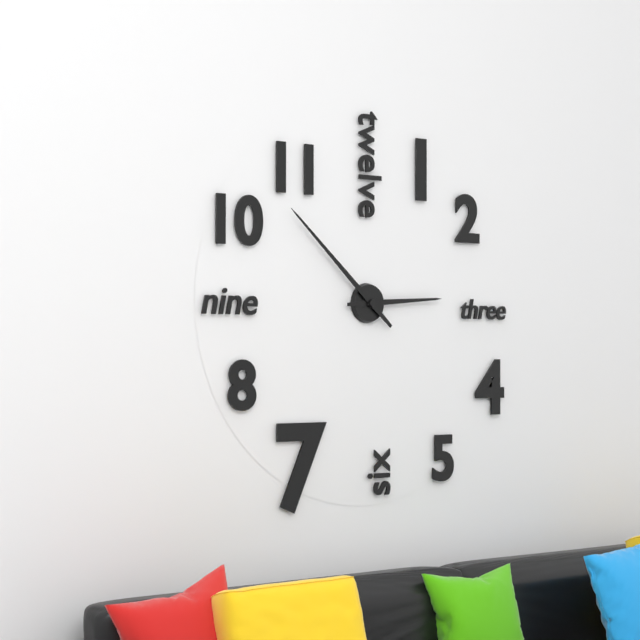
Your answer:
2 h 52 min
